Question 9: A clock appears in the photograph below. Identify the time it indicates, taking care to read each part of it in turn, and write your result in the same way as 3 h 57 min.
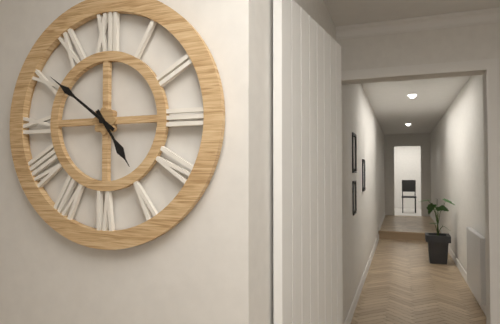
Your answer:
4 h 51 min
